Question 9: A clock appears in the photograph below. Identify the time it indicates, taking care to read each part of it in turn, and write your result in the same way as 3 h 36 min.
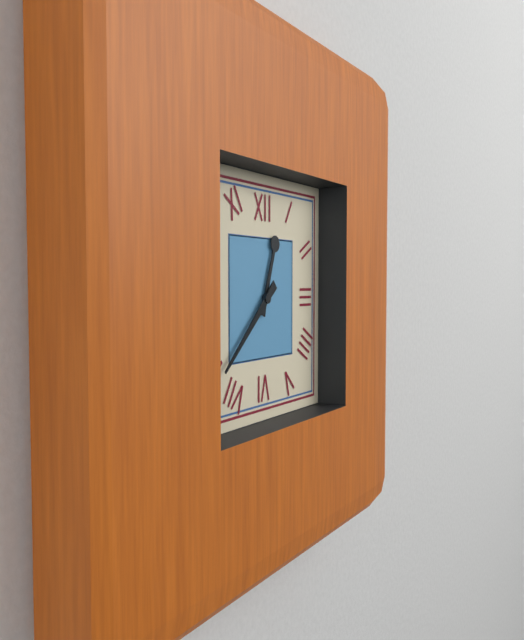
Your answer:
12 h 38 min
